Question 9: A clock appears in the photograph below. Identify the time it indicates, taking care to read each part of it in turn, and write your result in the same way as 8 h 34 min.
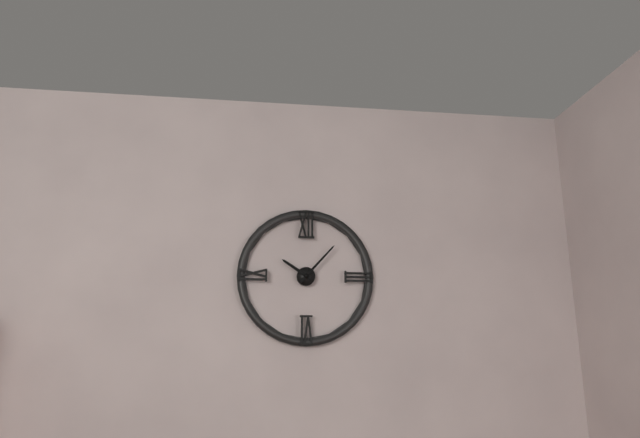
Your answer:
10 h 07 min
